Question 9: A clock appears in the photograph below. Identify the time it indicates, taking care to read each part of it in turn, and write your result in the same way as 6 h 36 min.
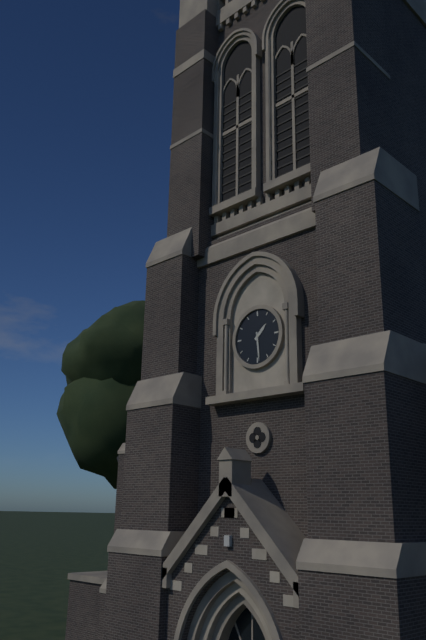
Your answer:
1 h 29 min
